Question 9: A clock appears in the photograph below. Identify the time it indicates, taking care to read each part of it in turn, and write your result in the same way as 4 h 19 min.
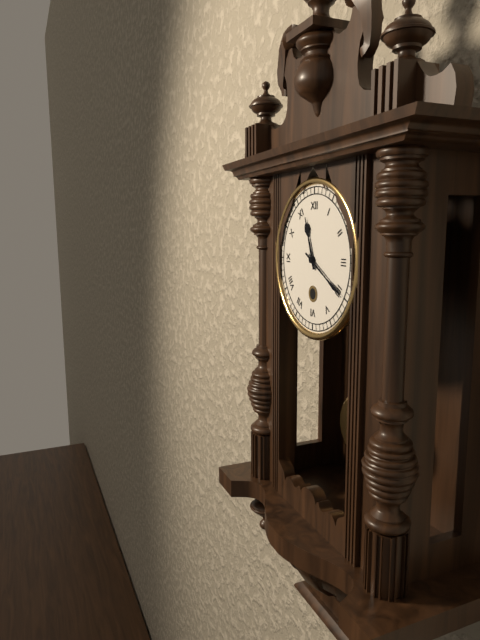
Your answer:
11 h 20 min
